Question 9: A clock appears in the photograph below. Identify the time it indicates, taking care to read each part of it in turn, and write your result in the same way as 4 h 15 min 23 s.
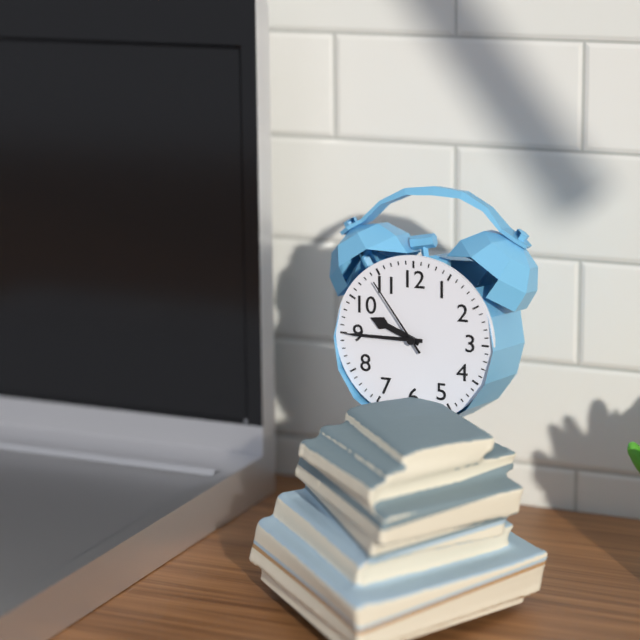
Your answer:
9 h 45 min 54 s
